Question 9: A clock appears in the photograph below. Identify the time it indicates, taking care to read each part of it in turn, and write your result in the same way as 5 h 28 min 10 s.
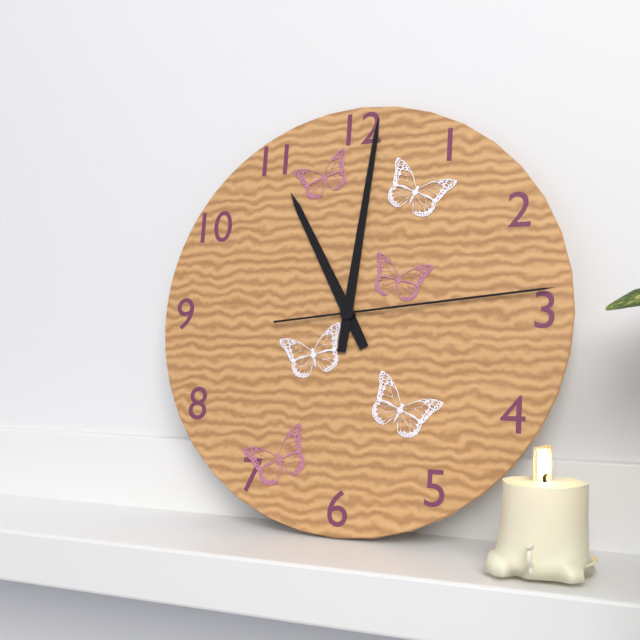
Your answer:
11 h 01 min 14 s
